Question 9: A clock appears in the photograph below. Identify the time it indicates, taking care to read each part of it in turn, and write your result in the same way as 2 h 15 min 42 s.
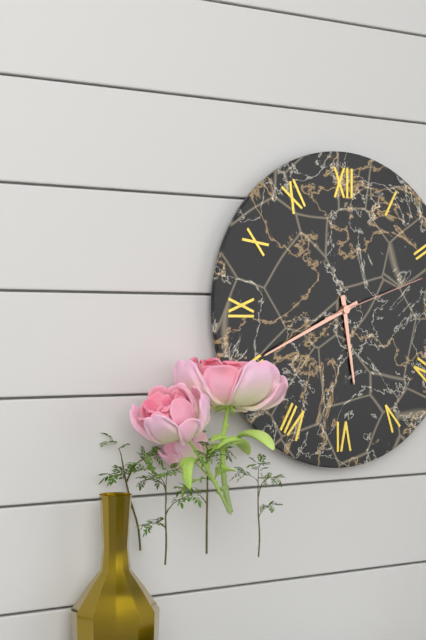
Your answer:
5 h 41 min 12 s
